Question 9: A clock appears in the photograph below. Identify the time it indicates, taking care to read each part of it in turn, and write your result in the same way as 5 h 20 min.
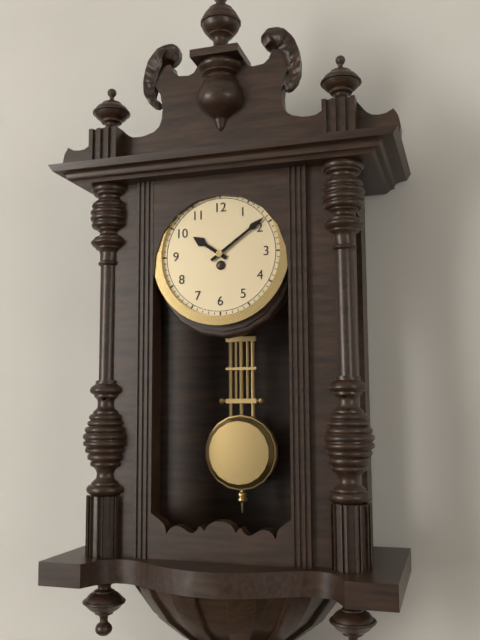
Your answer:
10 h 09 min
